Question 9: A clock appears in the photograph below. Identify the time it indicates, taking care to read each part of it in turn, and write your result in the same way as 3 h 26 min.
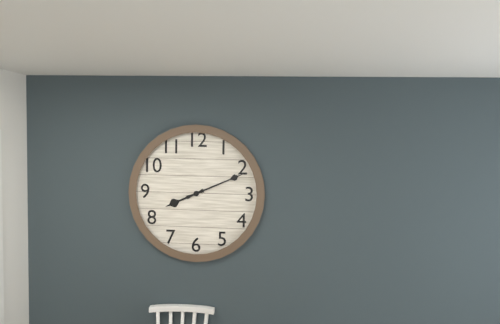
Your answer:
8 h 11 min
